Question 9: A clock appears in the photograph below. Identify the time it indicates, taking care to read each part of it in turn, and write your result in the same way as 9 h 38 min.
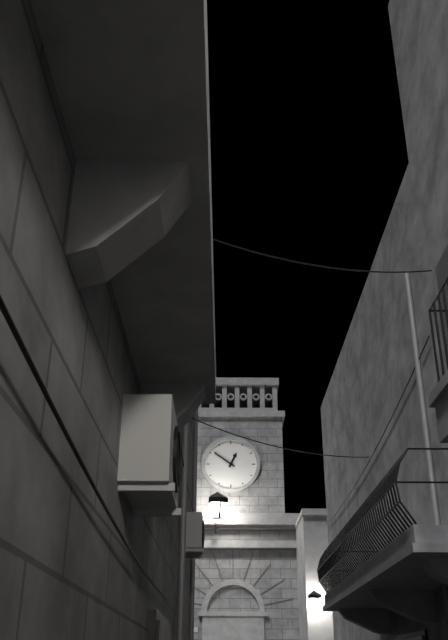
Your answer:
12 h 51 min
